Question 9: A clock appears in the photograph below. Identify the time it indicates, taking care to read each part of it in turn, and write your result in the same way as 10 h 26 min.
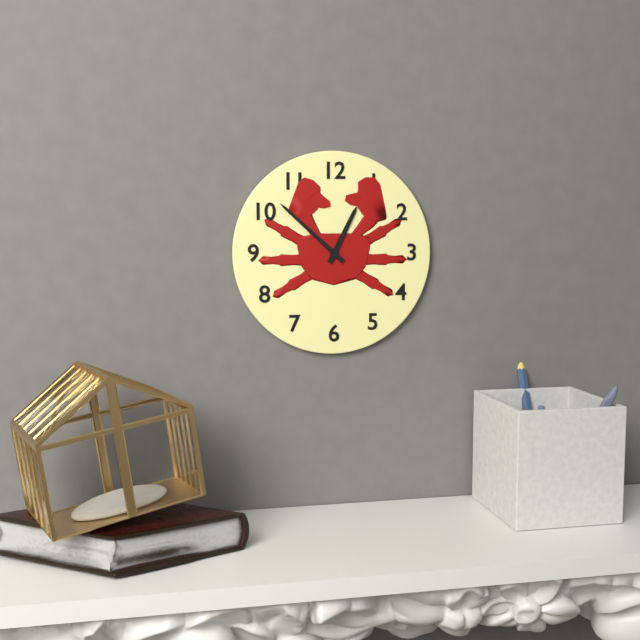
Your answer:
12 h 52 min
